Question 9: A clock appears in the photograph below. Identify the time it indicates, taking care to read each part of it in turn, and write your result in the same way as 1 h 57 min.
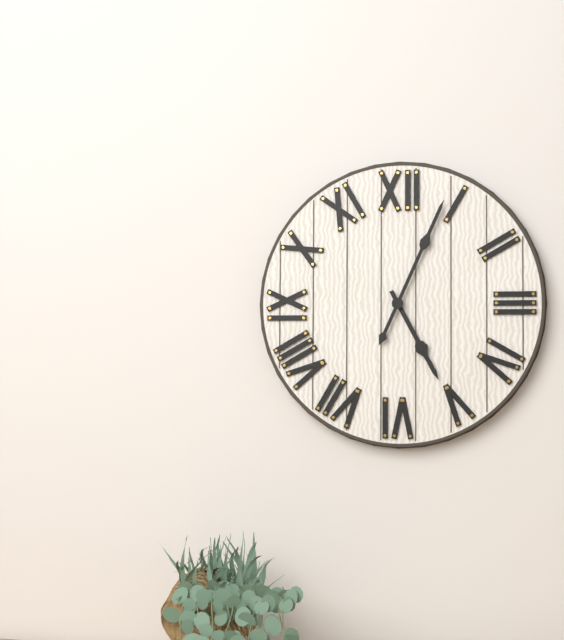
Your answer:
5 h 04 min
